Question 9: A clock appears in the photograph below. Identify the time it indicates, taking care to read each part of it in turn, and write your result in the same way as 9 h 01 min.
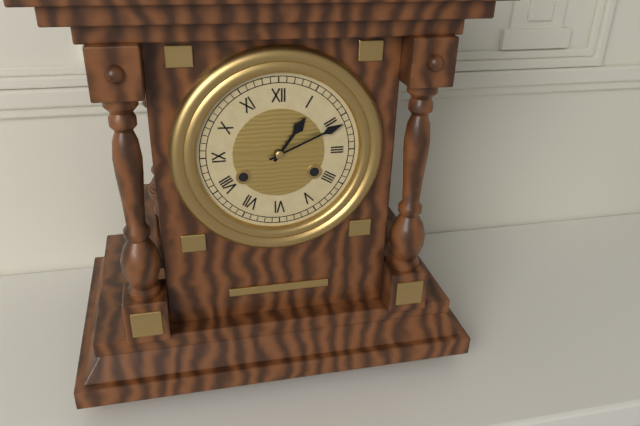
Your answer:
1 h 11 min
